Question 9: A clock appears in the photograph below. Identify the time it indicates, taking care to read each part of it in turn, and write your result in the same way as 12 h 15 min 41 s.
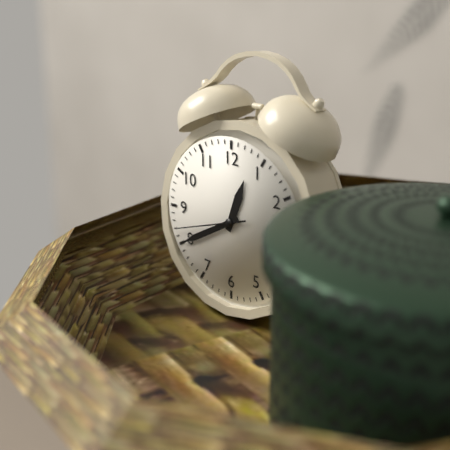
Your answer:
12 h 40 min 42 s
